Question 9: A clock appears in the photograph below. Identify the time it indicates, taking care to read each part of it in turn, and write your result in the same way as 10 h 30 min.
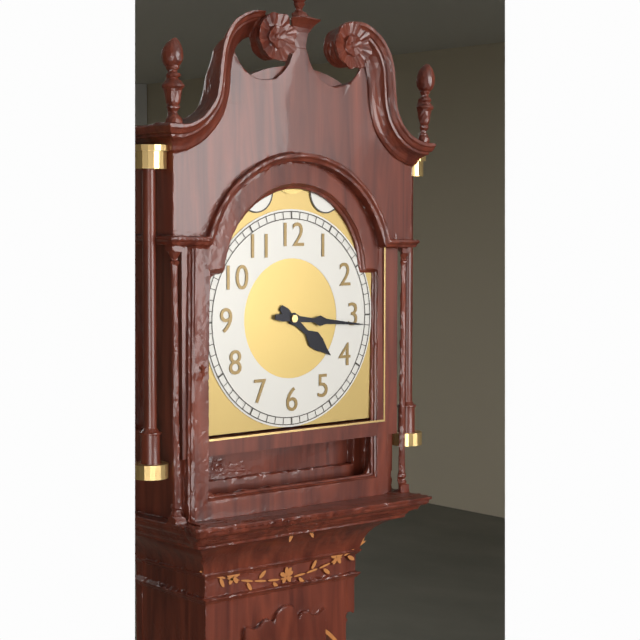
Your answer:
4 h 16 min
